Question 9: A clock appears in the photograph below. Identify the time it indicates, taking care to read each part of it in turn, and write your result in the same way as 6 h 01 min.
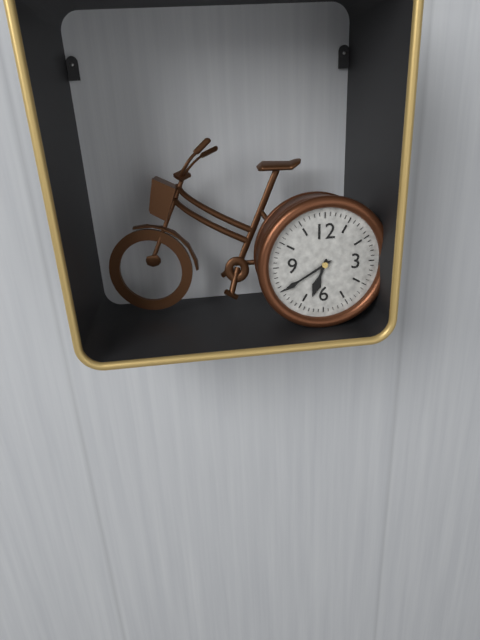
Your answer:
6 h 40 min
